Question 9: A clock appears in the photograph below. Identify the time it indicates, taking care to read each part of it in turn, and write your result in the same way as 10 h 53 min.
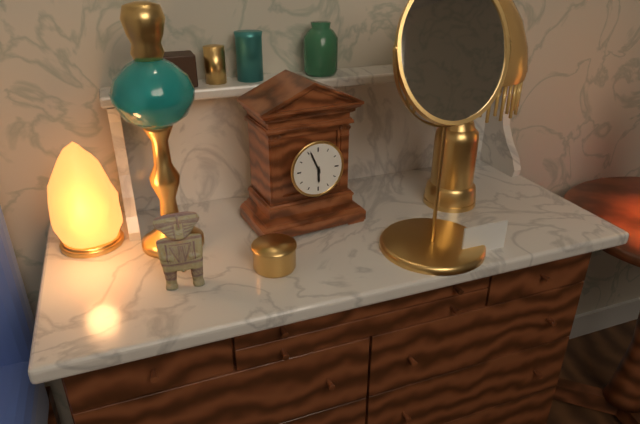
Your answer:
5 h 56 min
